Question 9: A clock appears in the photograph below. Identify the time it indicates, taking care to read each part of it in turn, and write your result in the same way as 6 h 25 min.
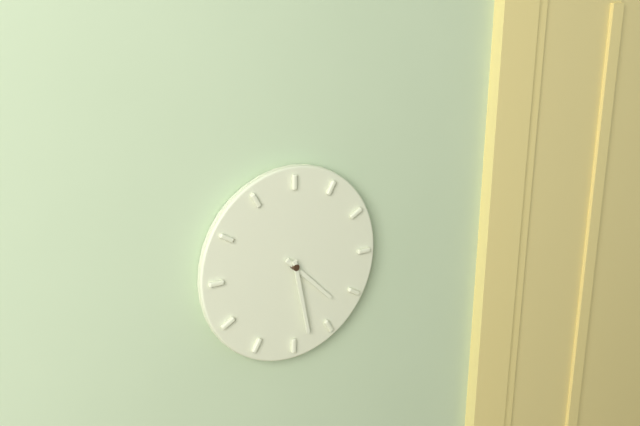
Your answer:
4 h 28 min
